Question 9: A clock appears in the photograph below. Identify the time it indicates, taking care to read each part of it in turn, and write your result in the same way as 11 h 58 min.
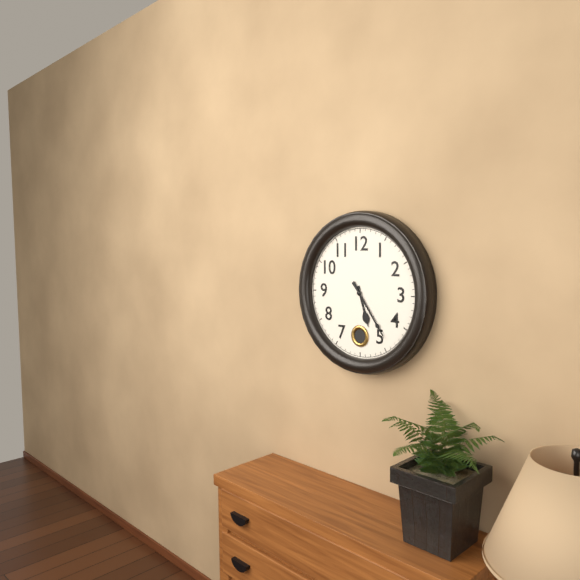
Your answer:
5 h 24 min
